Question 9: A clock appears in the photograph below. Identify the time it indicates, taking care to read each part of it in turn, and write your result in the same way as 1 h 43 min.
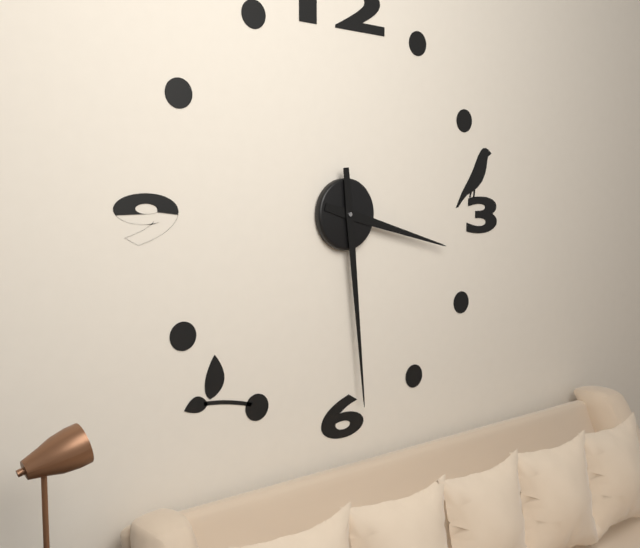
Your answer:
3 h 29 min
